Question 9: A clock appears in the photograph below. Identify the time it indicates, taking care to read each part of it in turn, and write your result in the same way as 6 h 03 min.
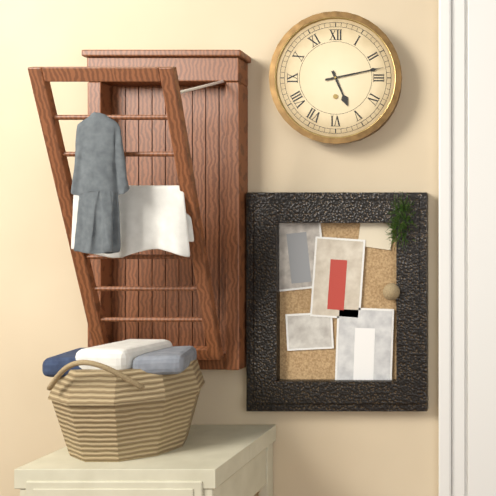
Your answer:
5 h 13 min
